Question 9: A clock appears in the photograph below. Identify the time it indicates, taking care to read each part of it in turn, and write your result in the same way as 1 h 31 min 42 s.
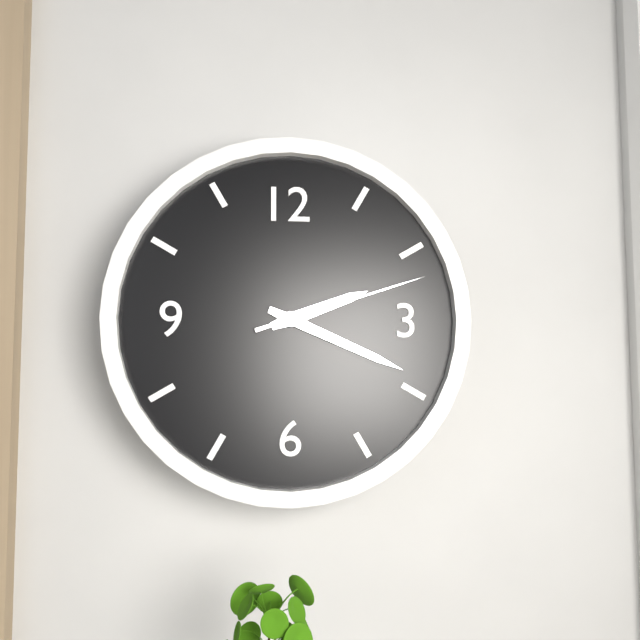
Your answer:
2 h 19 min 12 s
